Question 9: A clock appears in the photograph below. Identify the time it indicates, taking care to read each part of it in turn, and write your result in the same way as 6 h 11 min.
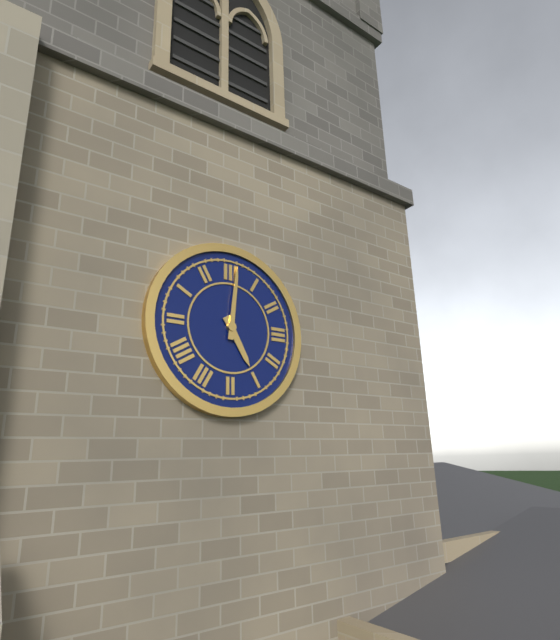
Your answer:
5 h 01 min
